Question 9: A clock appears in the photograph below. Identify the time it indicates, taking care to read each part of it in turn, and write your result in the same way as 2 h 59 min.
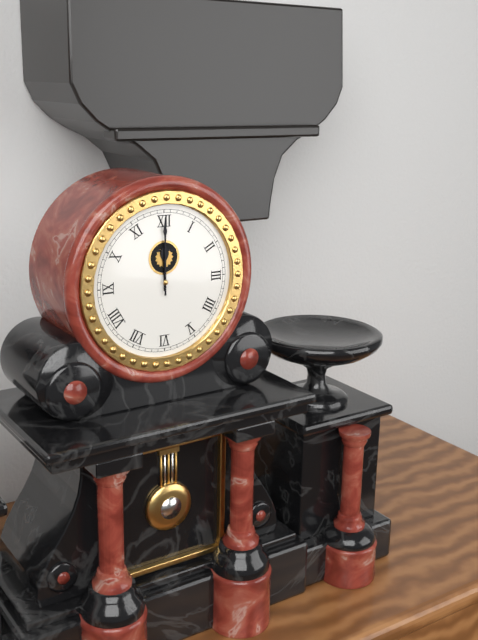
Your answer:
12 h 00 min
